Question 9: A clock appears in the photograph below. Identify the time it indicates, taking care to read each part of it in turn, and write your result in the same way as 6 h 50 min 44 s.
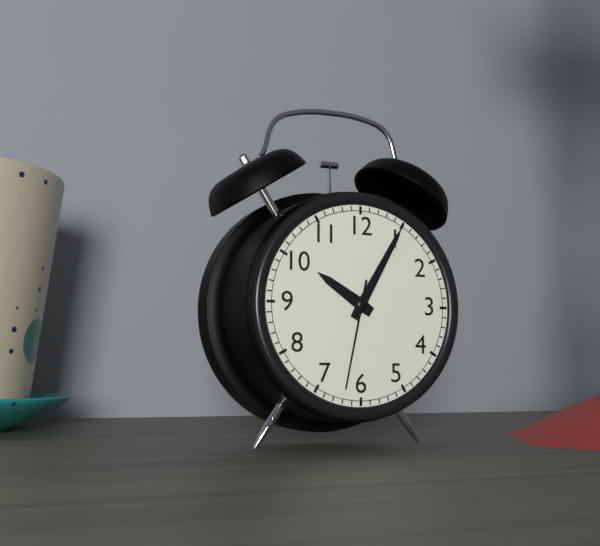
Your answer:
10 h 05 min 32 s
